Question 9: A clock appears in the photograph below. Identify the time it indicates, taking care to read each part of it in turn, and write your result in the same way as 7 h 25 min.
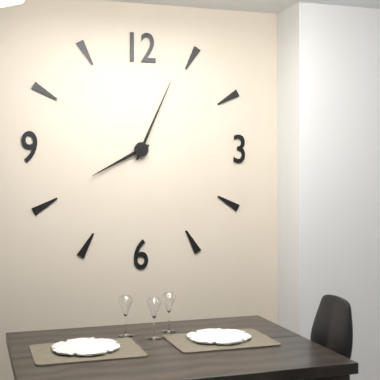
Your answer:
8 h 04 min
